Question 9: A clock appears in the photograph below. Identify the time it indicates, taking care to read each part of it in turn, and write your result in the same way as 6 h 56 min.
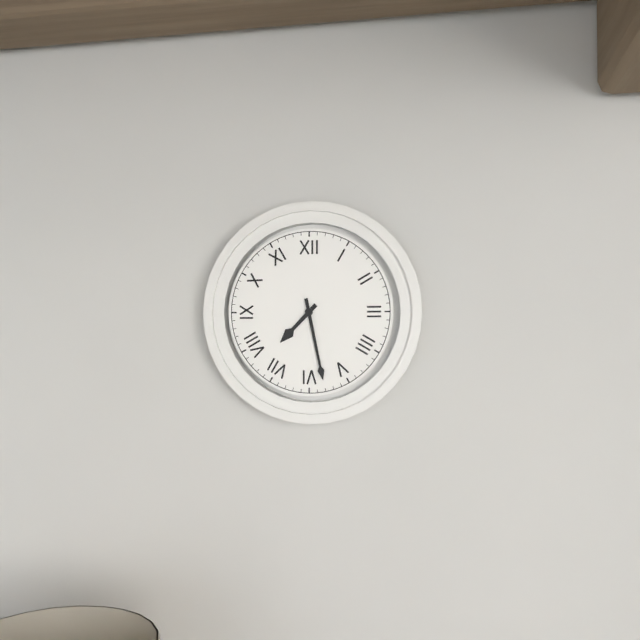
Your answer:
7 h 28 min
